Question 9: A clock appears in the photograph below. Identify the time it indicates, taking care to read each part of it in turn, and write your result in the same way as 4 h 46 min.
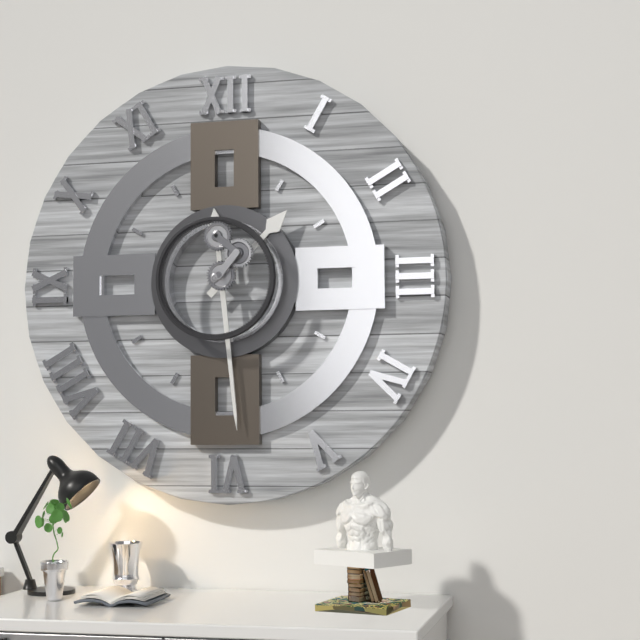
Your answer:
1 h 29 min
